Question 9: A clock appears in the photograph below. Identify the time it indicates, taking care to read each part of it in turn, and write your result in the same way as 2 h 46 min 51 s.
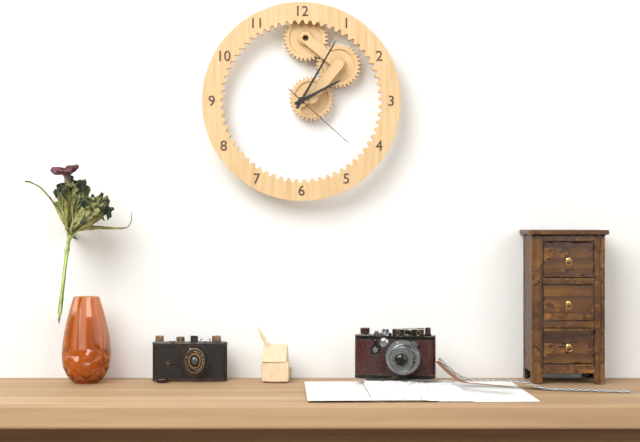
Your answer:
2 h 05 min 22 s
